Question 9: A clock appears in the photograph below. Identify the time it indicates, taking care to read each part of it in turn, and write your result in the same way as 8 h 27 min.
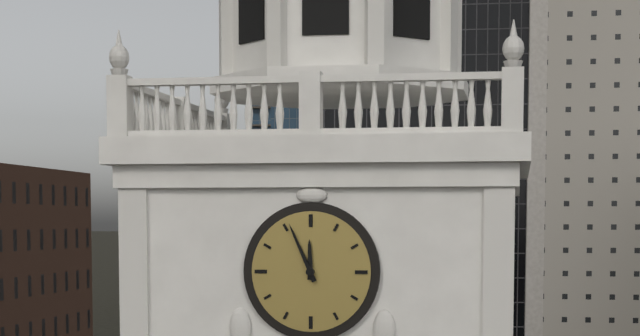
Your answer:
11 h 56 min
